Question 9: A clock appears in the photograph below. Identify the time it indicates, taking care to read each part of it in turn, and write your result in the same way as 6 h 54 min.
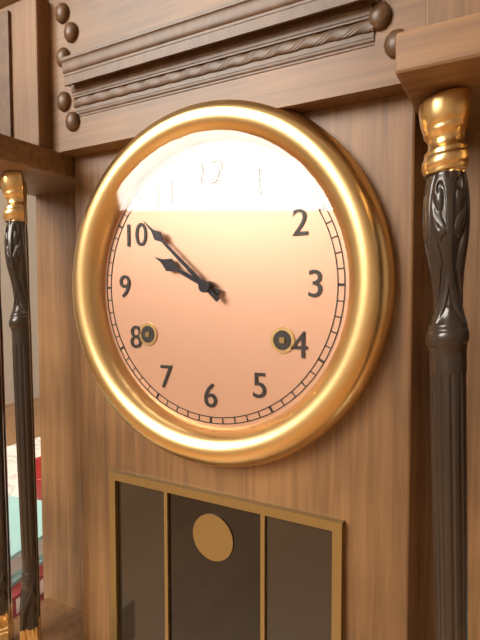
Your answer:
9 h 52 min
